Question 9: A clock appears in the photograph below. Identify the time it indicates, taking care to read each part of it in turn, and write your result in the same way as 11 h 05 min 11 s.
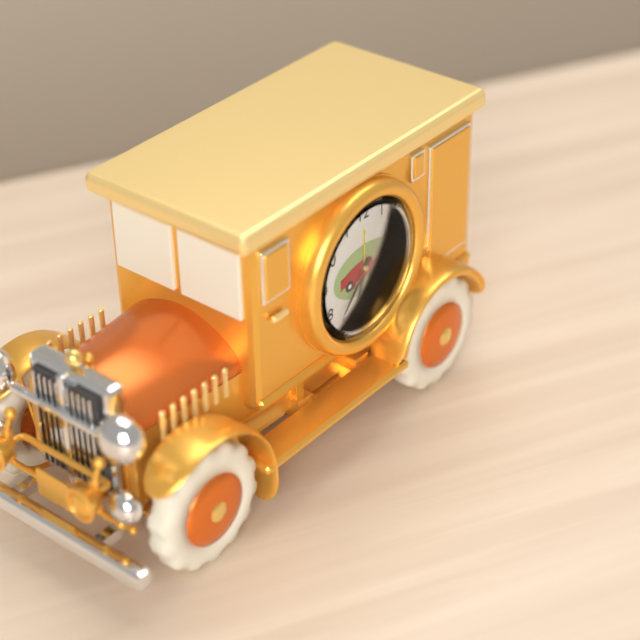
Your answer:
6 h 37 min 09 s
